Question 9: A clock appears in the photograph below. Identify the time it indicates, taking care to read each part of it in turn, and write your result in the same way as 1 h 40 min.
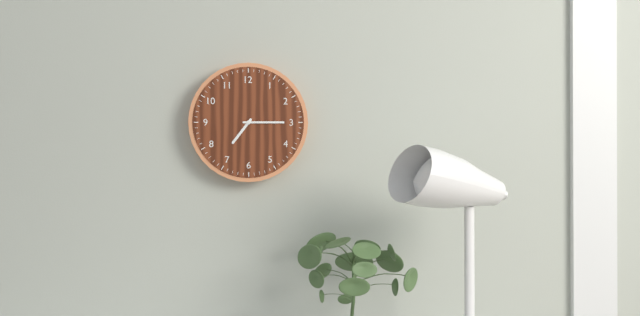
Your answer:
7 h 15 min
